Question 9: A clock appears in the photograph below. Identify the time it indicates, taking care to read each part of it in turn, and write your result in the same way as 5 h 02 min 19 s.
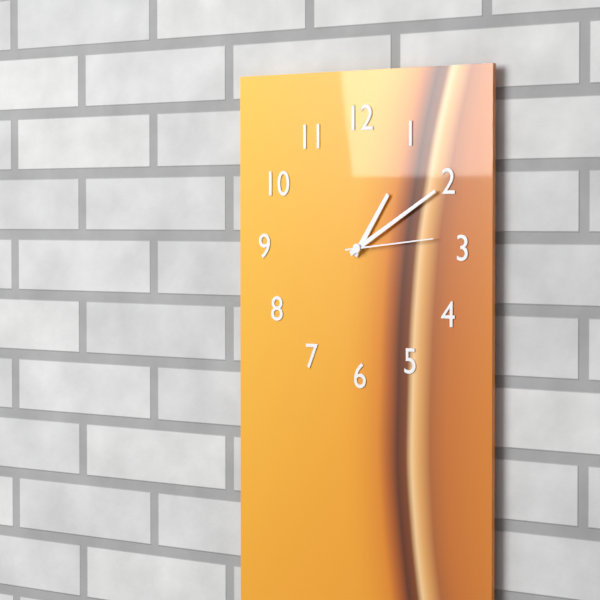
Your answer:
1 h 10 min 14 s
